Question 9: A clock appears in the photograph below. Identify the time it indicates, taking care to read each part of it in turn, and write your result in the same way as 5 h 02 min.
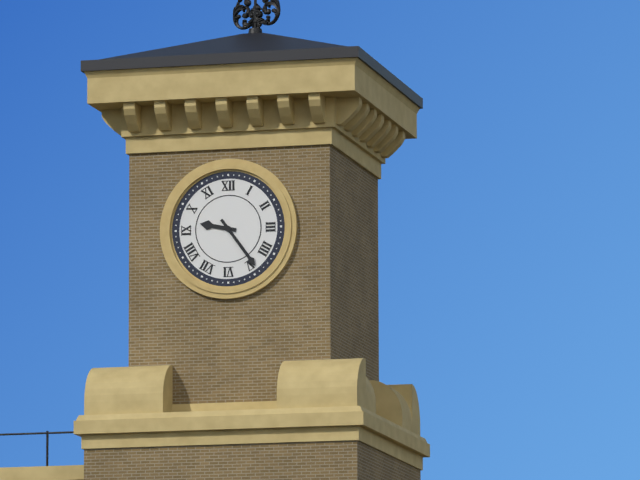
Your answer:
9 h 24 min
